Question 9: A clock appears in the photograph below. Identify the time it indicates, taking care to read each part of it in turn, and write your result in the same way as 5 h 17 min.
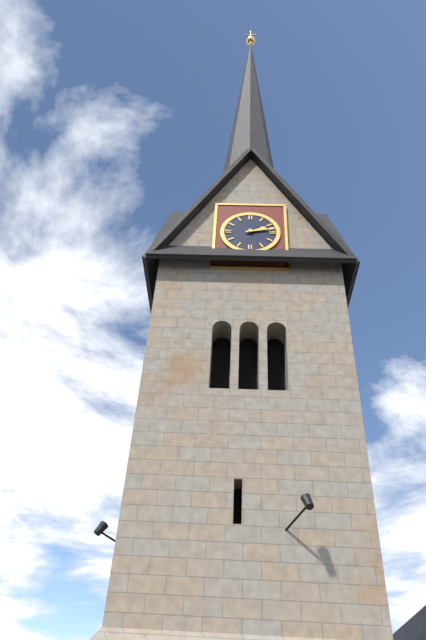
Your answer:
2 h 13 min
